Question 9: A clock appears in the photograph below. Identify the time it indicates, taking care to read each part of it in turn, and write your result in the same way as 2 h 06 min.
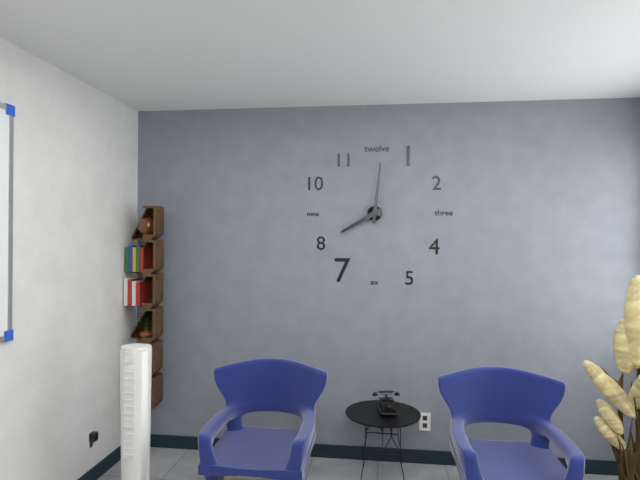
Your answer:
8 h 01 min
